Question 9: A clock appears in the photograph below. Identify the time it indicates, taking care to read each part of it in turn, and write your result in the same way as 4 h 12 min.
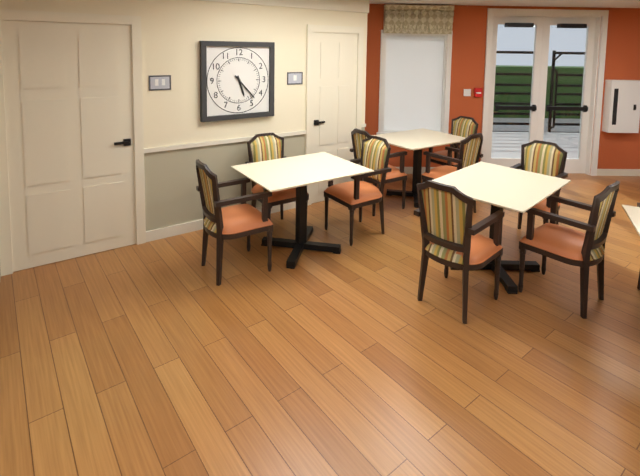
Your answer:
5 h 23 min
